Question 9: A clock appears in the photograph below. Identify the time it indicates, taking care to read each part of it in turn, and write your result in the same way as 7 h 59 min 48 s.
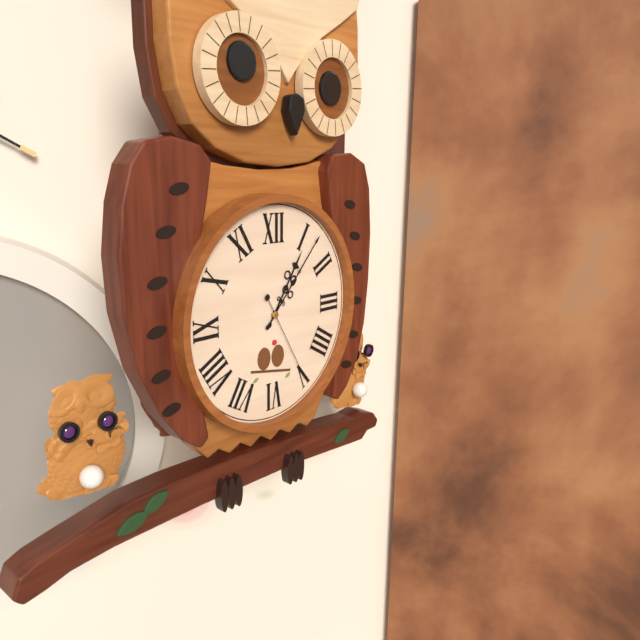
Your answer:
1 h 07 min 25 s
